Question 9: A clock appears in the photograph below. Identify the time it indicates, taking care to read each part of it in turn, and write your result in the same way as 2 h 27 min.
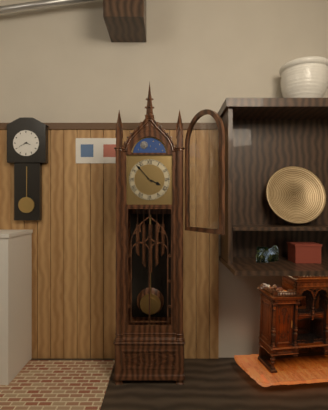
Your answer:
3 h 53 min
